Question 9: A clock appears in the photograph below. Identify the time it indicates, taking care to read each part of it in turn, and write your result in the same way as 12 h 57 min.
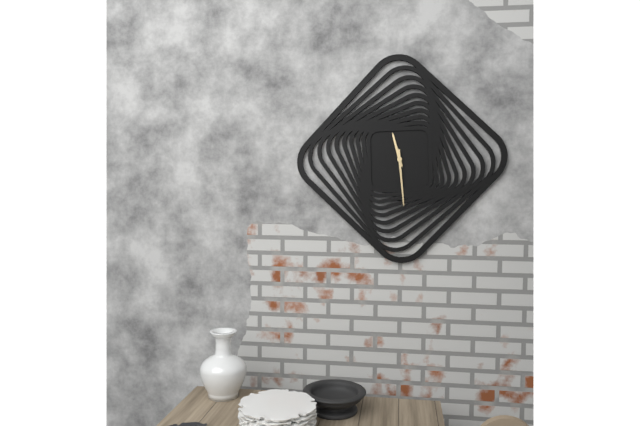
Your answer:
11 h 29 min
